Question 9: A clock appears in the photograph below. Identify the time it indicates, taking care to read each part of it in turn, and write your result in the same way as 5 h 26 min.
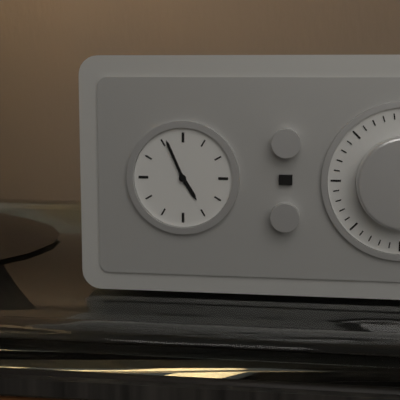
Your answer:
4 h 56 min
